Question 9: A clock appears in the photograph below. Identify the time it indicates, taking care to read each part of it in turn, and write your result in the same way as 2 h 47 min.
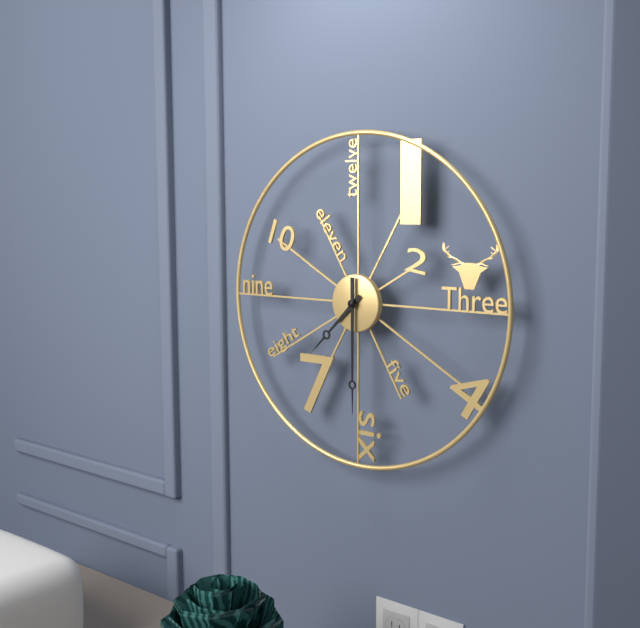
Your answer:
7 h 30 min
